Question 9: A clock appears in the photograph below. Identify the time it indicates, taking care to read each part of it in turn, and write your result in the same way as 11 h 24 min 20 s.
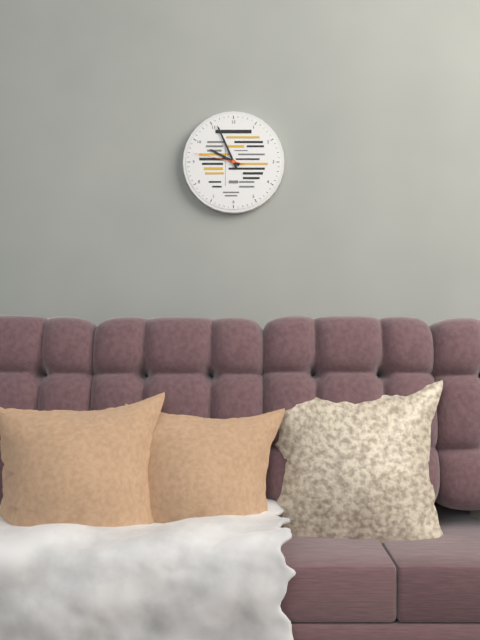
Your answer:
9 h 56 min 47 s
